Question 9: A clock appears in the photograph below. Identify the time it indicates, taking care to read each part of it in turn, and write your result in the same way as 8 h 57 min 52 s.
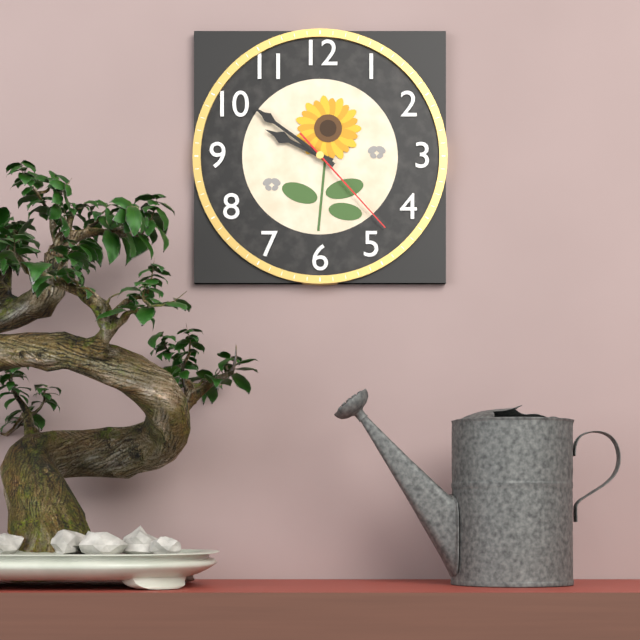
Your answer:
9 h 51 min 23 s
